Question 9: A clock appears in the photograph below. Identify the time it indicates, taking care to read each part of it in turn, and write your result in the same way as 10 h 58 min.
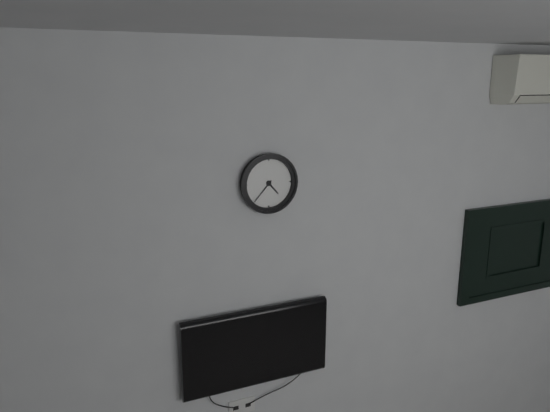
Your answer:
4 h 37 min
